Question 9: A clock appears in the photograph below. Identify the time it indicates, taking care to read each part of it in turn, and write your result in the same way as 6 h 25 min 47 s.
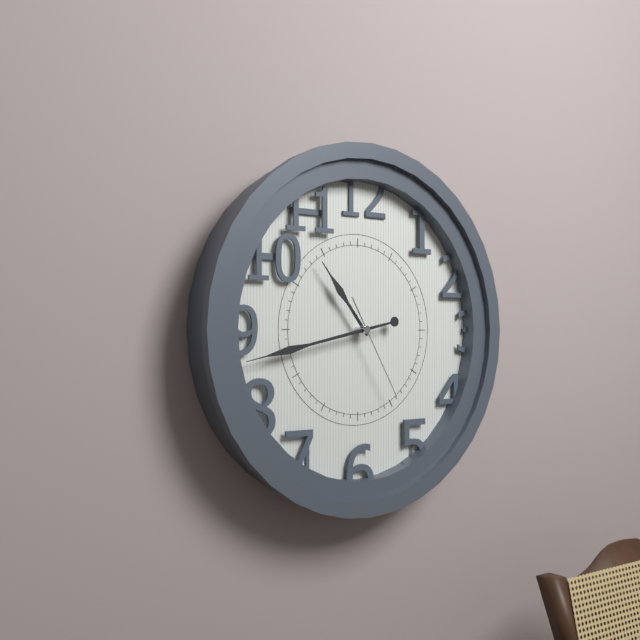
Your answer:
10 h 43 min 25 s
